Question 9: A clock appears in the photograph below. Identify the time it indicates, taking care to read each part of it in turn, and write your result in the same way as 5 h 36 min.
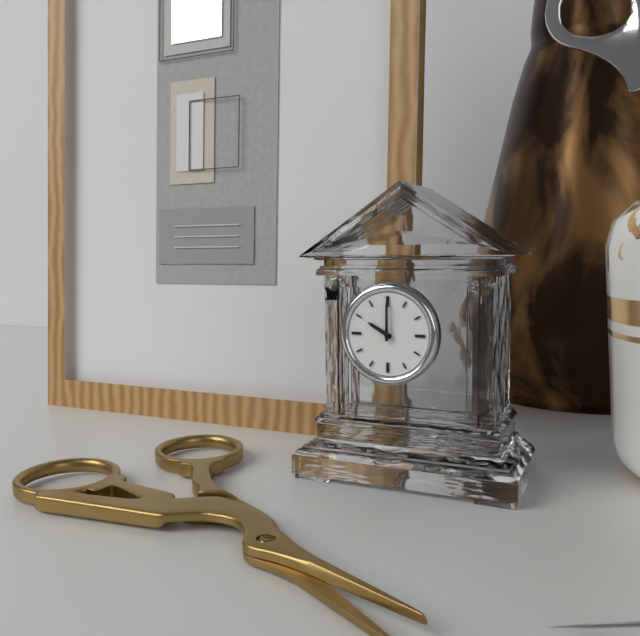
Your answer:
10 h 00 min
